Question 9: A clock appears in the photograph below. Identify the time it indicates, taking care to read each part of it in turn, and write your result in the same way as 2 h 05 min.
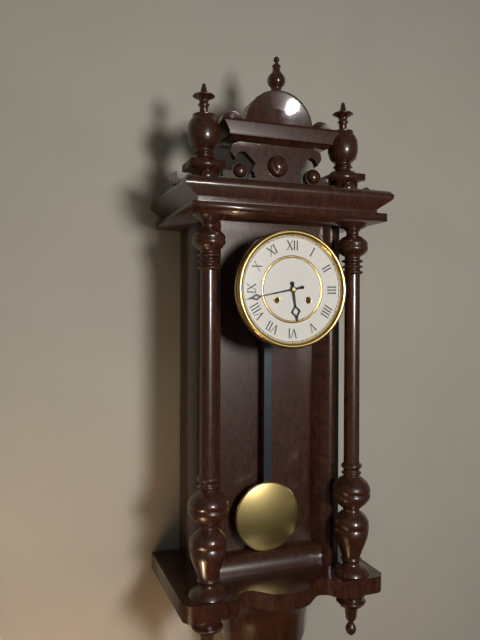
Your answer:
5 h 43 min
